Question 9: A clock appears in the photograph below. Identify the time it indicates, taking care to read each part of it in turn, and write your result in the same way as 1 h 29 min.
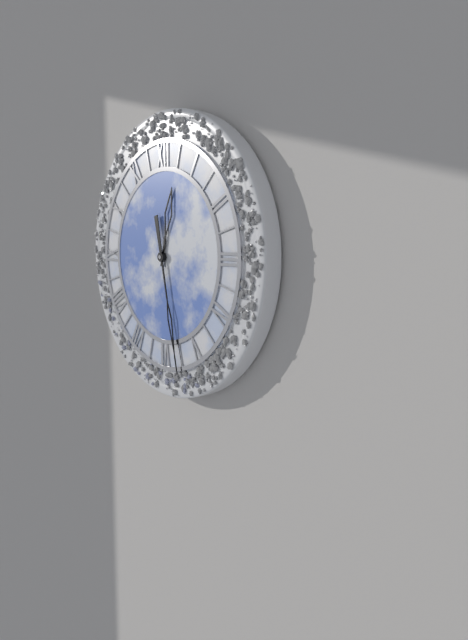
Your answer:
12 h 28 min
